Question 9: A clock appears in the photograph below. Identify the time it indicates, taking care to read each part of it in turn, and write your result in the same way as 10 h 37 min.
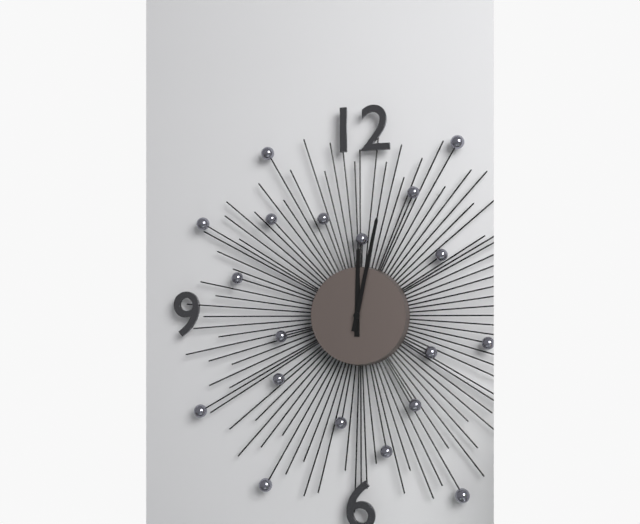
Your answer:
12 h 02 min
